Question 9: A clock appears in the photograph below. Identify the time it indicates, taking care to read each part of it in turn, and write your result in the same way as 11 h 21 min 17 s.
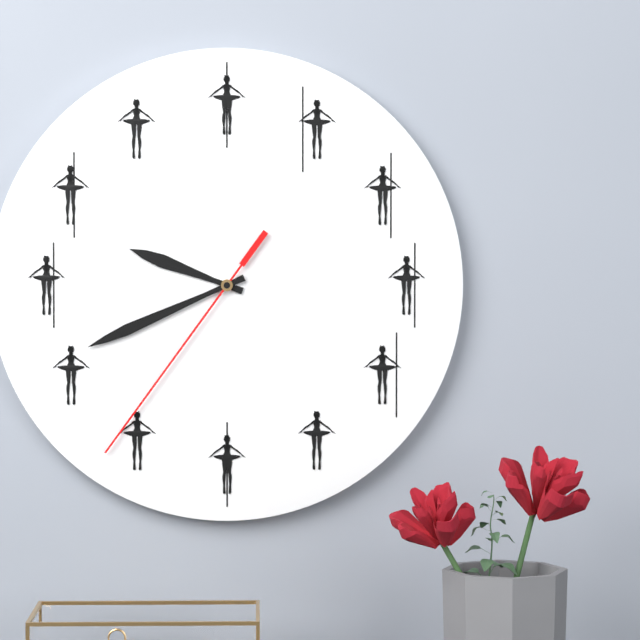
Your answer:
9 h 41 min 36 s
